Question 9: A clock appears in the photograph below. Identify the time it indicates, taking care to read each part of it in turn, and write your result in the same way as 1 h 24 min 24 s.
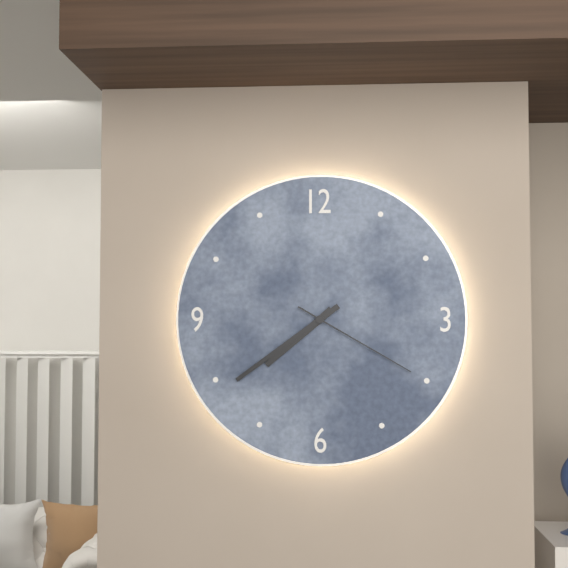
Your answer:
7 h 39 min 20 s
